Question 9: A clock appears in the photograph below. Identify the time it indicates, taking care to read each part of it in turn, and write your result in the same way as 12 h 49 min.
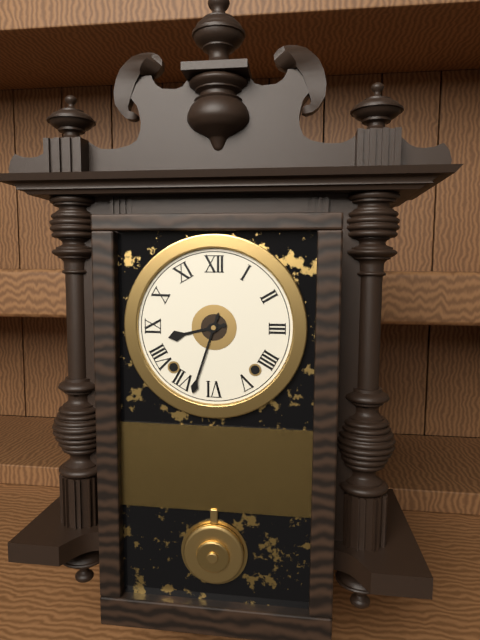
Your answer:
8 h 33 min
